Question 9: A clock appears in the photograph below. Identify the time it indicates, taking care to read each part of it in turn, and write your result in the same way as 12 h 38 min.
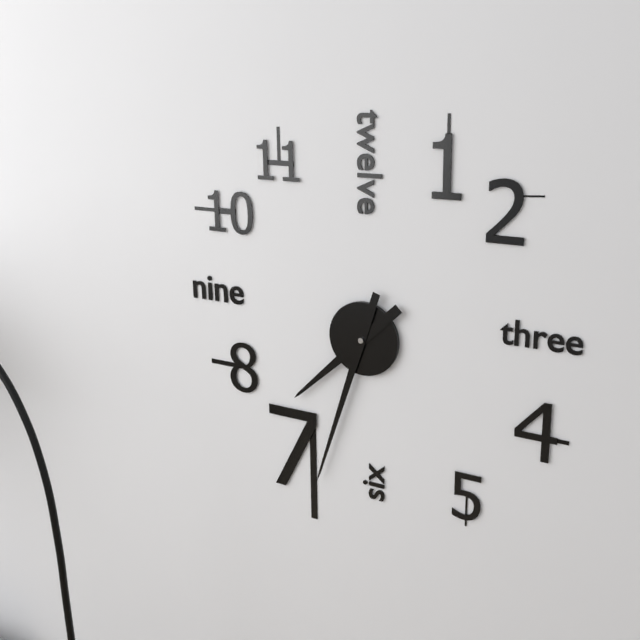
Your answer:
7 h 33 min
